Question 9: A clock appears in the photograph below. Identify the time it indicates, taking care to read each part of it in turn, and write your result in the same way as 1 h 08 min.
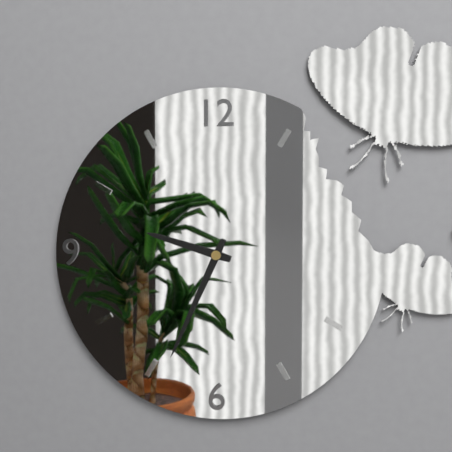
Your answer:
9 h 34 min
